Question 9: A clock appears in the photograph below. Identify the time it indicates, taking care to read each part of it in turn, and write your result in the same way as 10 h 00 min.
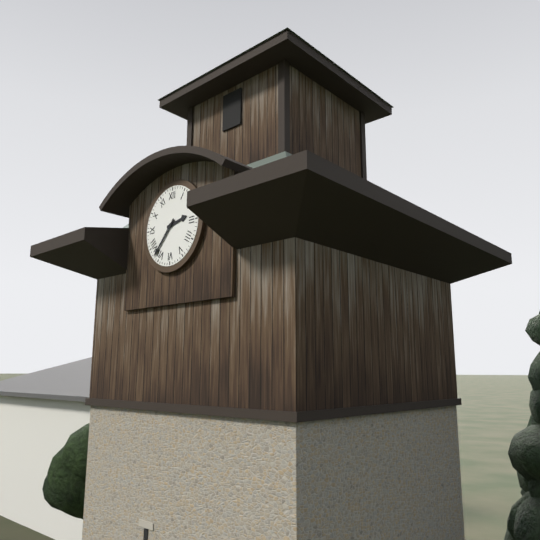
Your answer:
2 h 37 min
